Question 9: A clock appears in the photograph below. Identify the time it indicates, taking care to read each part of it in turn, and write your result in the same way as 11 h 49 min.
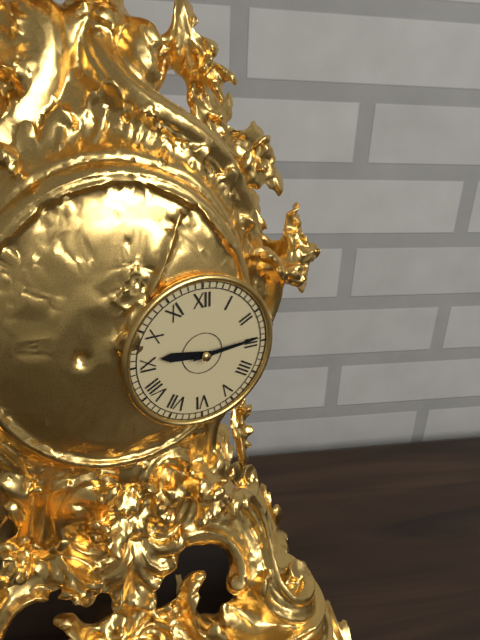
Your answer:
9 h 14 min
